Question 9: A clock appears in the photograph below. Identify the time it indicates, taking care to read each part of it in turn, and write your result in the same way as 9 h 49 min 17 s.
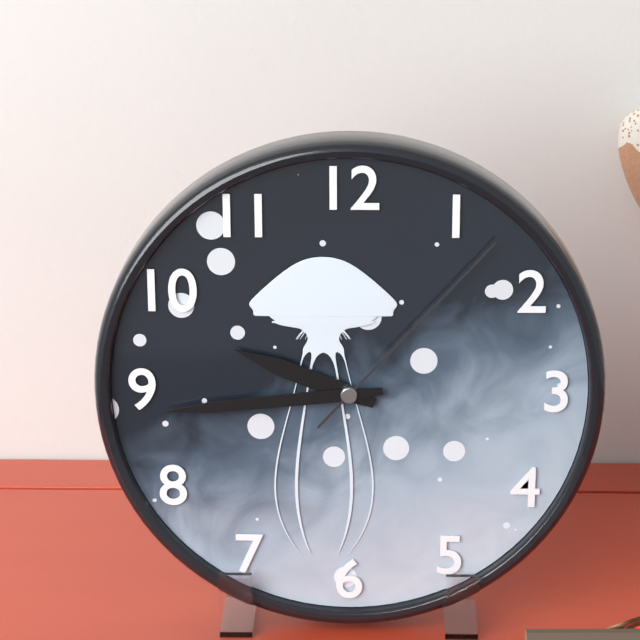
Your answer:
9 h 44 min 07 s
